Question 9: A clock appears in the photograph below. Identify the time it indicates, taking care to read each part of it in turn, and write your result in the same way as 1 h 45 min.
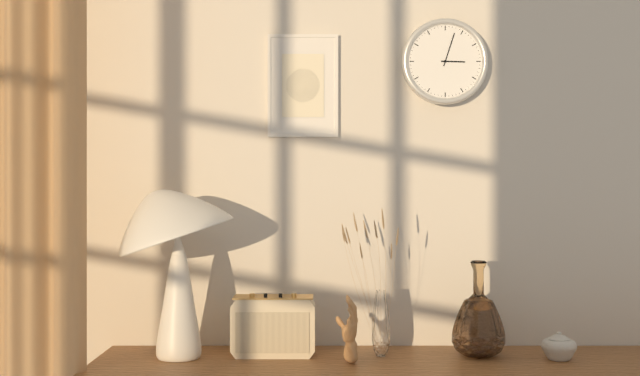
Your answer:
3 h 03 min
